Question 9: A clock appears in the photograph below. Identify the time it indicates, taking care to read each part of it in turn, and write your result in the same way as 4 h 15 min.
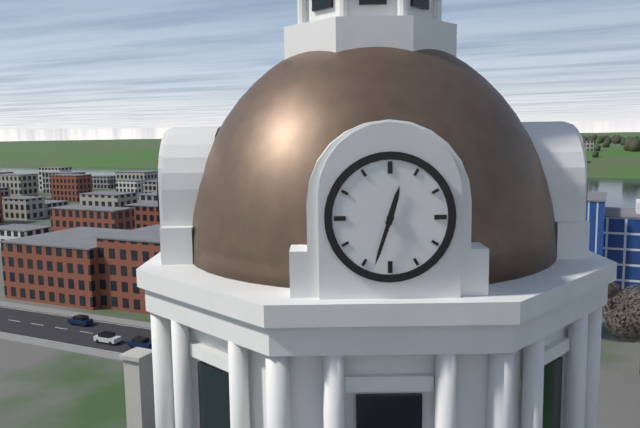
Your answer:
12 h 33 min
